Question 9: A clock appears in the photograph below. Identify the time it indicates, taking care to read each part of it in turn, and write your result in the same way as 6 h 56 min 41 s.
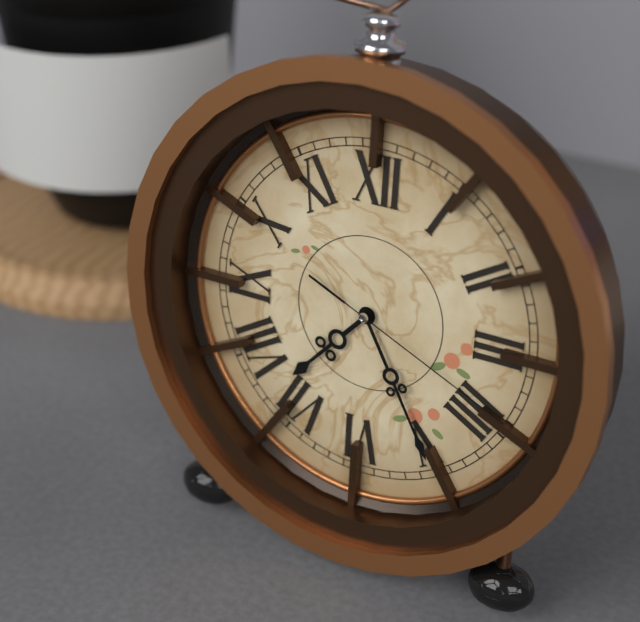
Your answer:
7 h 25 min 19 s
